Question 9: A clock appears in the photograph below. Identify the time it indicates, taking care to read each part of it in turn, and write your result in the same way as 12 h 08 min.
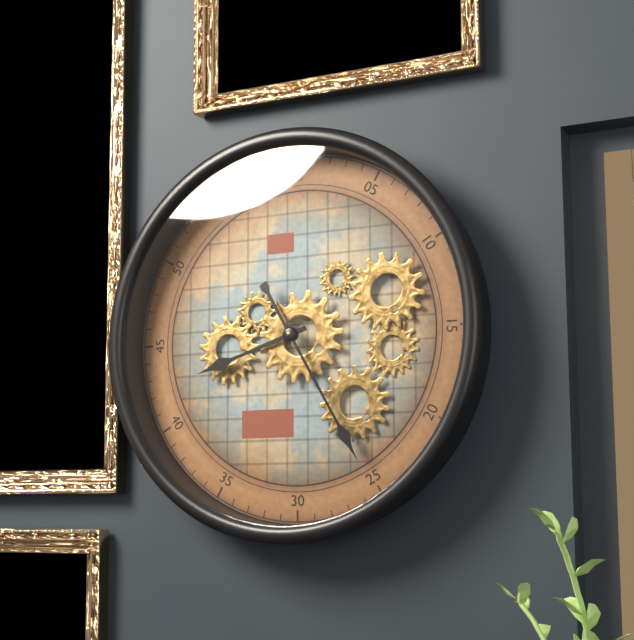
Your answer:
8 h 25 min
